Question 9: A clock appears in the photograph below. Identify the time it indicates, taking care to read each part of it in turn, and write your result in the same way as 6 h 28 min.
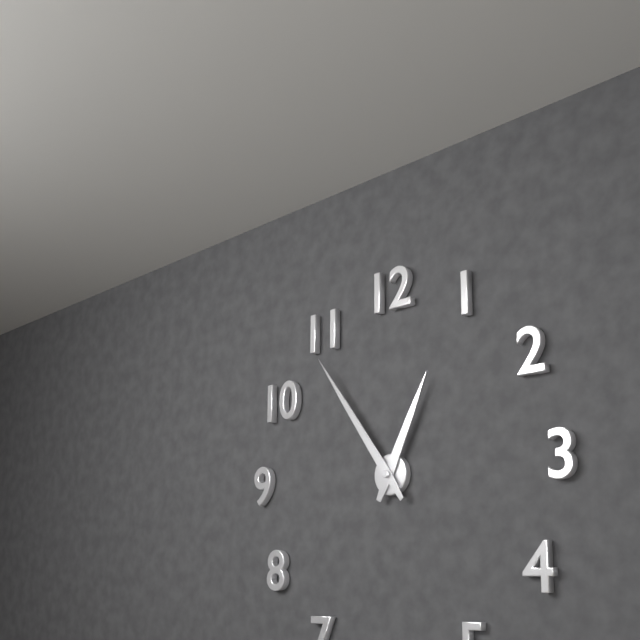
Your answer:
12 h 54 min
